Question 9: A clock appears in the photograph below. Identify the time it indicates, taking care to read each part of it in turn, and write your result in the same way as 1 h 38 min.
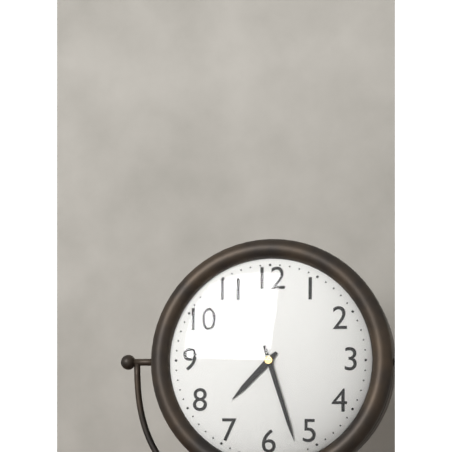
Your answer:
7 h 27 min
